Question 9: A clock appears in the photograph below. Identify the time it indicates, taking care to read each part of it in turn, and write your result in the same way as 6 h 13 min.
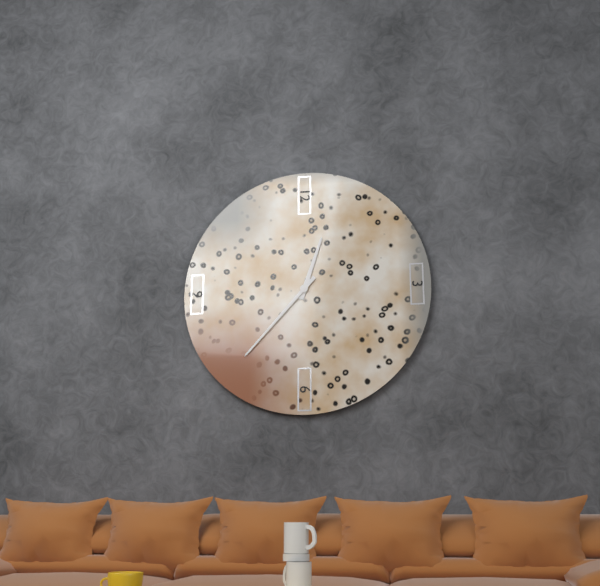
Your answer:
12 h 37 min
